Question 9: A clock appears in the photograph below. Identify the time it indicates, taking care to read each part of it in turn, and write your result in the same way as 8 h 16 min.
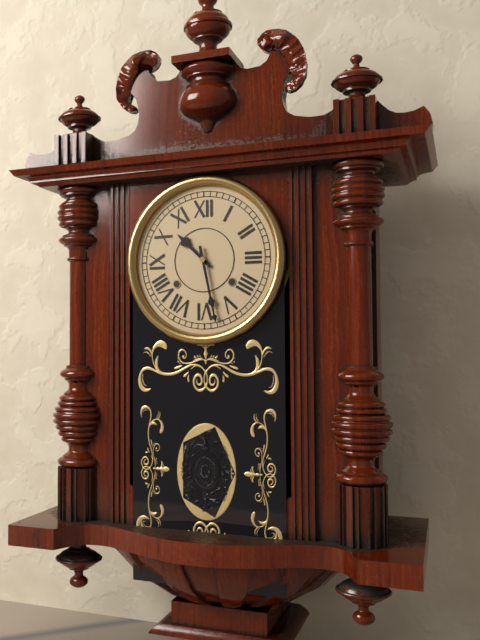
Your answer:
10 h 28 min
